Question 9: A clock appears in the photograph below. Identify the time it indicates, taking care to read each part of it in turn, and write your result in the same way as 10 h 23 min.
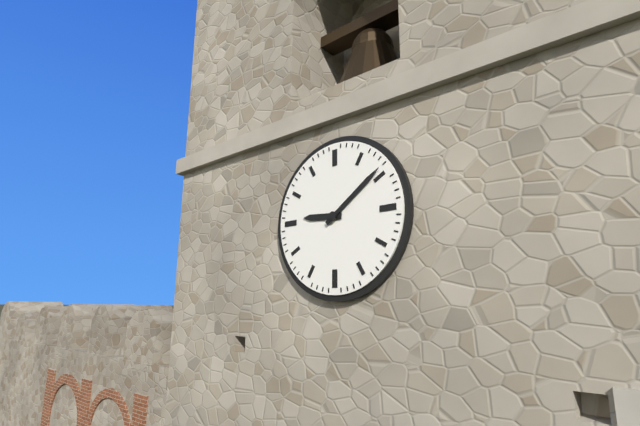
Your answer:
9 h 09 min
